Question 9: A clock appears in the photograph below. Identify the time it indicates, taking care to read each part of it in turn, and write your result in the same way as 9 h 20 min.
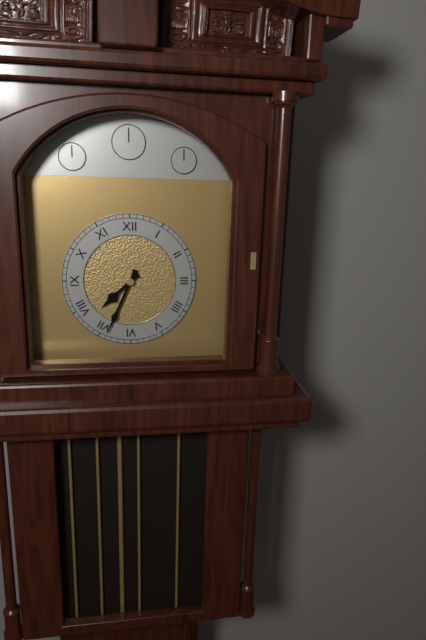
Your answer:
7 h 34 min
